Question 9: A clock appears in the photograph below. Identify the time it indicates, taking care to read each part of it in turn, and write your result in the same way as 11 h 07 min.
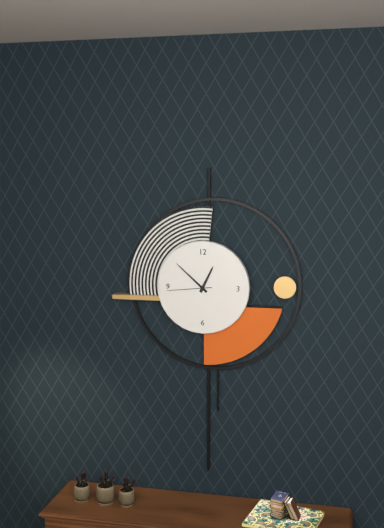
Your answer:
12 h 52 min
